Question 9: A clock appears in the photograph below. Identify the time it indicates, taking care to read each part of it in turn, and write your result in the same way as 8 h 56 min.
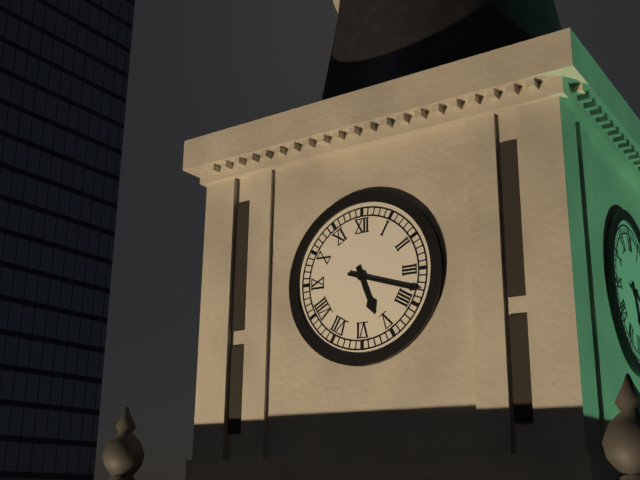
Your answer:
5 h 18 min
